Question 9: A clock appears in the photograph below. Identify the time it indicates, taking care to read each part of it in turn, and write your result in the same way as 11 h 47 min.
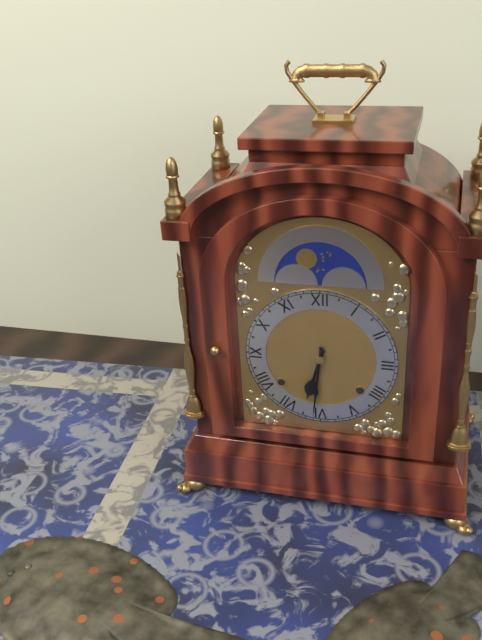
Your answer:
6 h 31 min
